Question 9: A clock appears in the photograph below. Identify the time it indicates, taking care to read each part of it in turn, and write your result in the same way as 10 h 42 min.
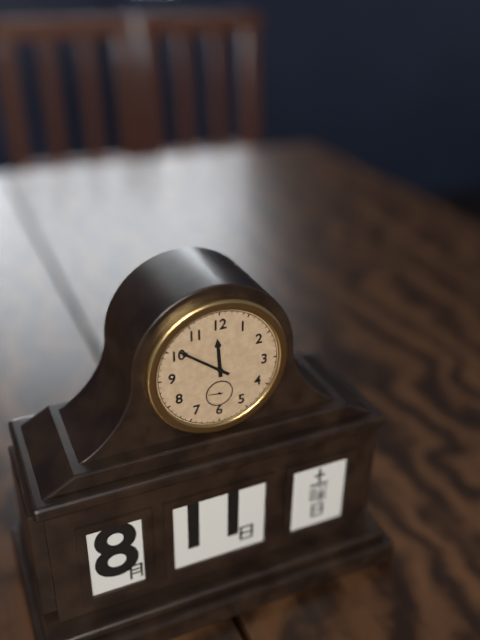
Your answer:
11 h 51 min
